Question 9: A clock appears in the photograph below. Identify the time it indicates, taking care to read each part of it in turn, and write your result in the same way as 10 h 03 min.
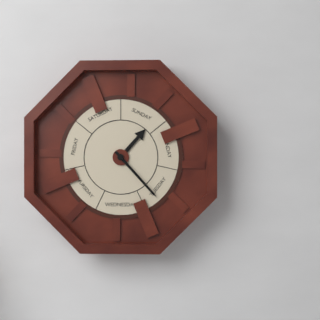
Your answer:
1 h 23 min
